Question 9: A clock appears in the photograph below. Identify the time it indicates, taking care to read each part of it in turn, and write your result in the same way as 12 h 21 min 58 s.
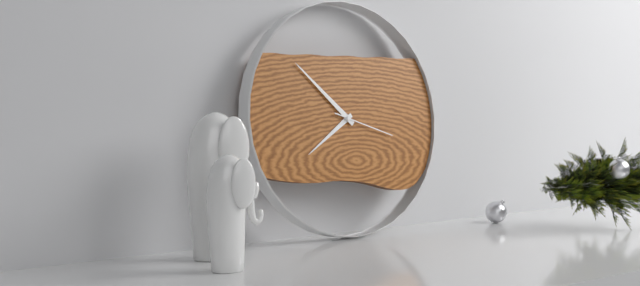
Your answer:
7 h 52 min 18 s
